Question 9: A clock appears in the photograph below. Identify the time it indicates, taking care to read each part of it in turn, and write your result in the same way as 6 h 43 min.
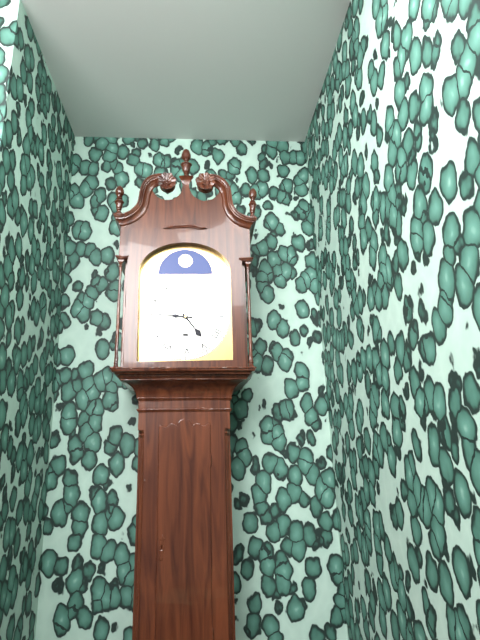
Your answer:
4 h 46 min
